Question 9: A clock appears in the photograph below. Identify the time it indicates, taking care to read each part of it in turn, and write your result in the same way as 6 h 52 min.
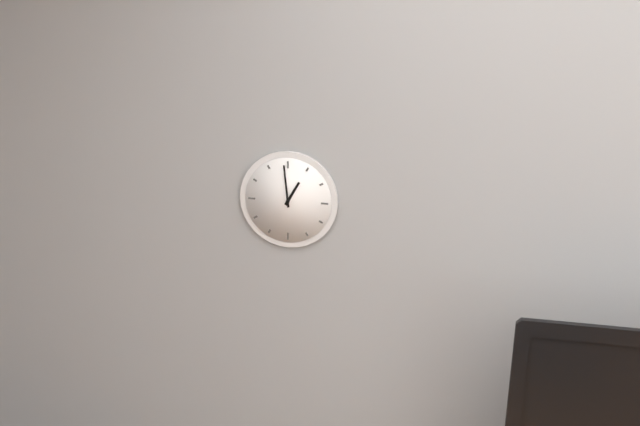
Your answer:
12 h 59 min
